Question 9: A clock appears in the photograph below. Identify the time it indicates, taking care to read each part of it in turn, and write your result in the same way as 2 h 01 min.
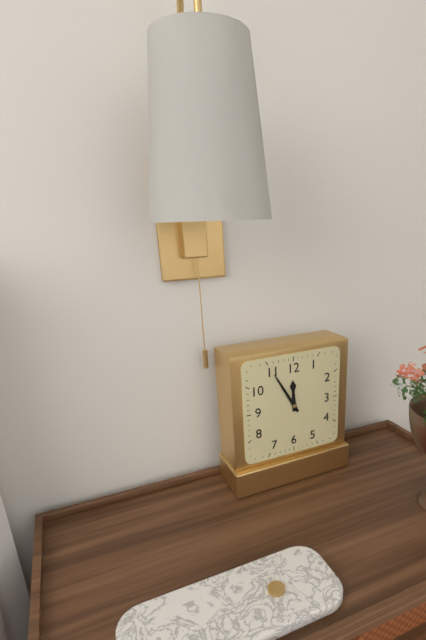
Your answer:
11 h 55 min
